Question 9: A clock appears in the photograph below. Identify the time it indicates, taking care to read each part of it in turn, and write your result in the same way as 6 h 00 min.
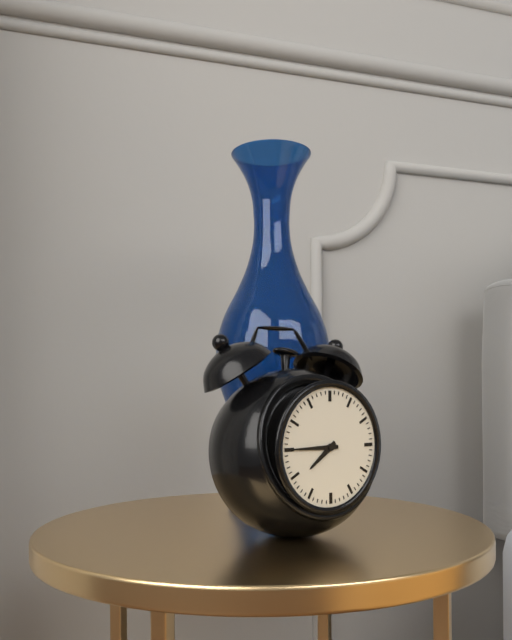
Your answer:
7 h 45 min
